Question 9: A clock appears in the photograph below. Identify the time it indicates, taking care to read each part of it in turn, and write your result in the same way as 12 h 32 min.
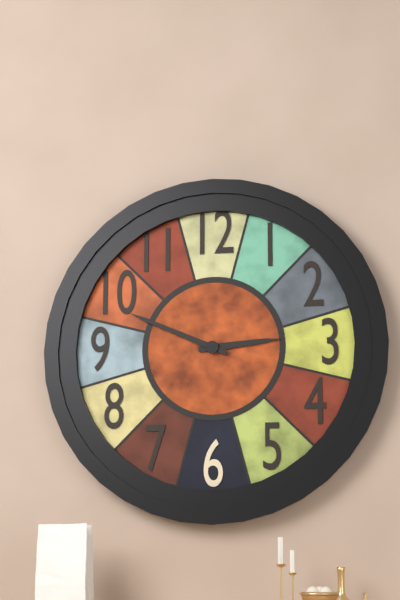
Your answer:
2 h 49 min
